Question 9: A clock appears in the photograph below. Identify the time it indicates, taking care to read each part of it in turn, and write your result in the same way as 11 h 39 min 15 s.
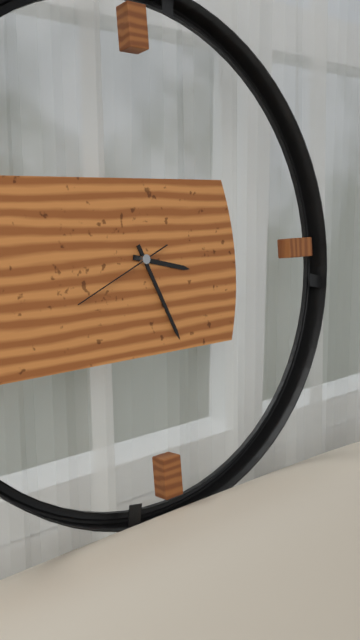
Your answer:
3 h 26 min 41 s
